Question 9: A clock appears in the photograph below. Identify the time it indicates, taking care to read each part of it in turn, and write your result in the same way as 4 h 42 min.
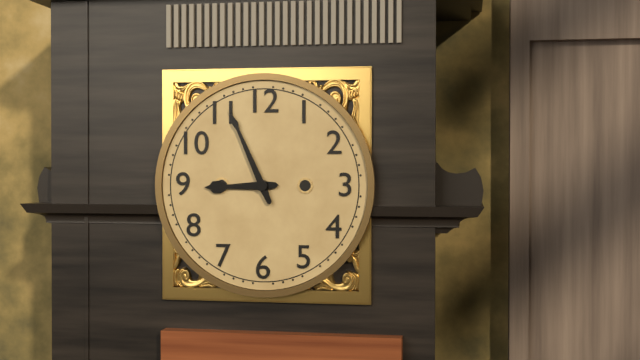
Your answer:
8 h 56 min
